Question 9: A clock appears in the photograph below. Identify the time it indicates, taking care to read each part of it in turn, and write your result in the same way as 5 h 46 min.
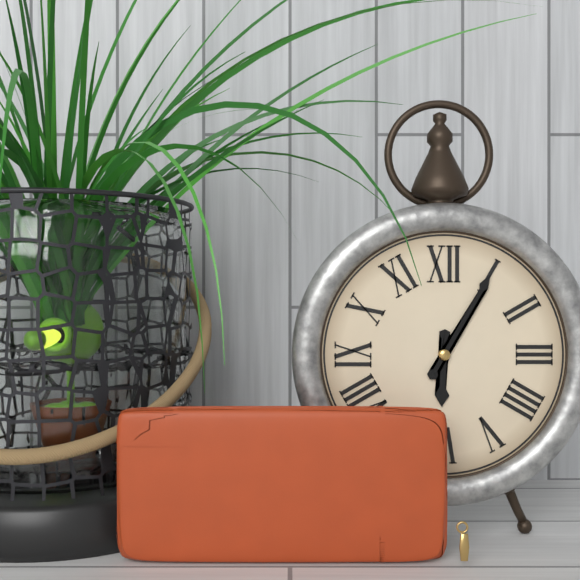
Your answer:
6 h 05 min
